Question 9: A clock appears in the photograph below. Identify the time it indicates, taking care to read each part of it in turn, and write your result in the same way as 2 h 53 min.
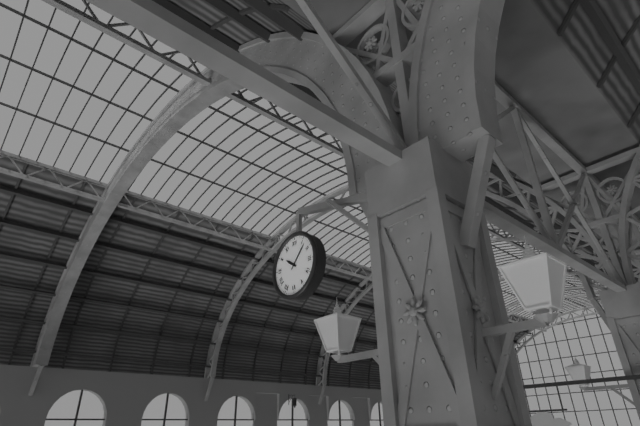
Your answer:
10 h 07 min
